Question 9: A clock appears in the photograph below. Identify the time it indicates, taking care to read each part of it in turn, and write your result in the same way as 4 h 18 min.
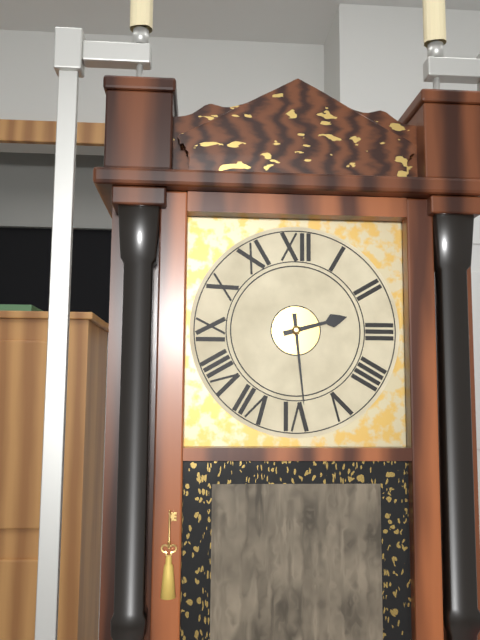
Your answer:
2 h 29 min
